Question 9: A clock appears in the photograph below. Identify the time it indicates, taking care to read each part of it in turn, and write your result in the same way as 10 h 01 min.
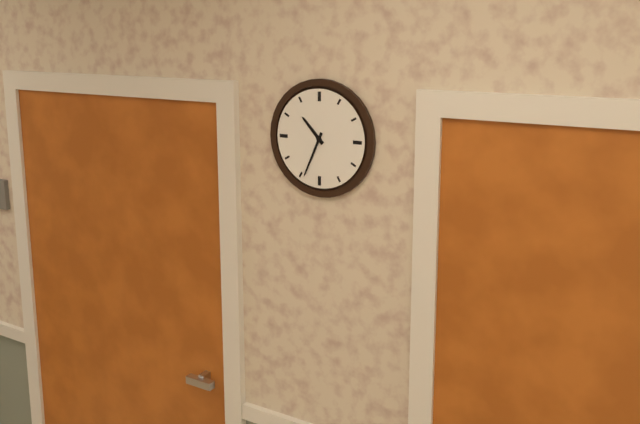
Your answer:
10 h 34 min
